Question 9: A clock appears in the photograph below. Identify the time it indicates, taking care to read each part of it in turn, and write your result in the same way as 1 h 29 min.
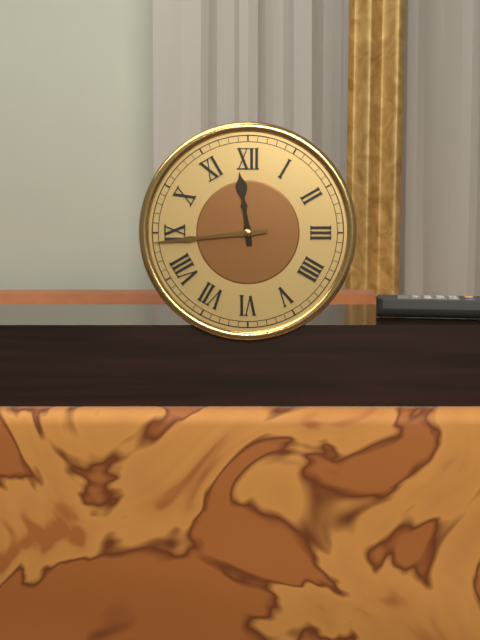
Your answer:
11 h 44 min
